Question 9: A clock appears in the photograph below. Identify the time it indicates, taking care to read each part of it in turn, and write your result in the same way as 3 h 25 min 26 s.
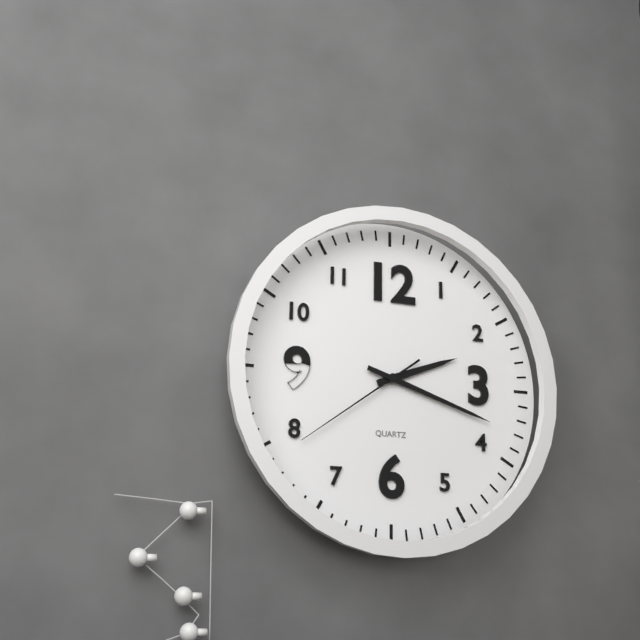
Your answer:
2 h 18 min 39 s
